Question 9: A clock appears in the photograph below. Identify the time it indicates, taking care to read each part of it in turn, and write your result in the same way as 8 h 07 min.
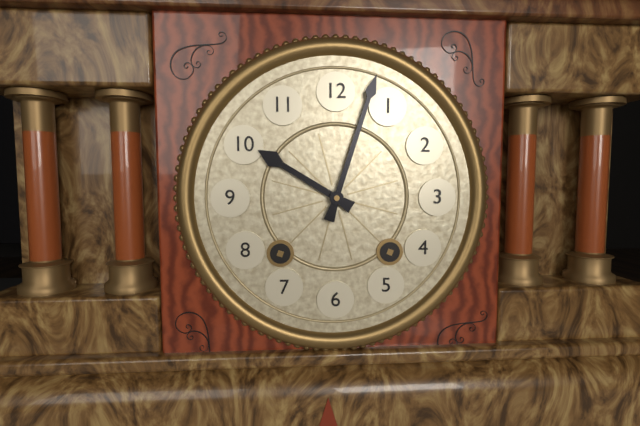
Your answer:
10 h 03 min
